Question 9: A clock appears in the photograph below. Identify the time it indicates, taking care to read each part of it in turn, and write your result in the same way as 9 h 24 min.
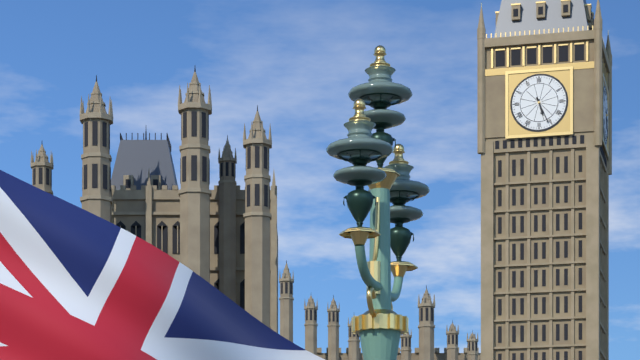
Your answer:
5 h 26 min
